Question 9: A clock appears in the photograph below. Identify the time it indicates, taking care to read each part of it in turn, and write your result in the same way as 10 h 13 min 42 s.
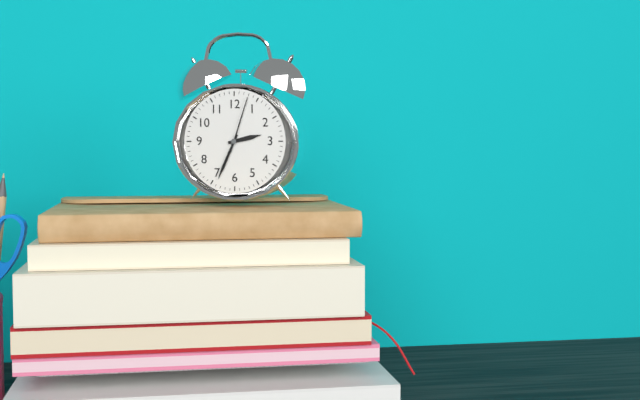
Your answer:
2 h 34 min 03 s
